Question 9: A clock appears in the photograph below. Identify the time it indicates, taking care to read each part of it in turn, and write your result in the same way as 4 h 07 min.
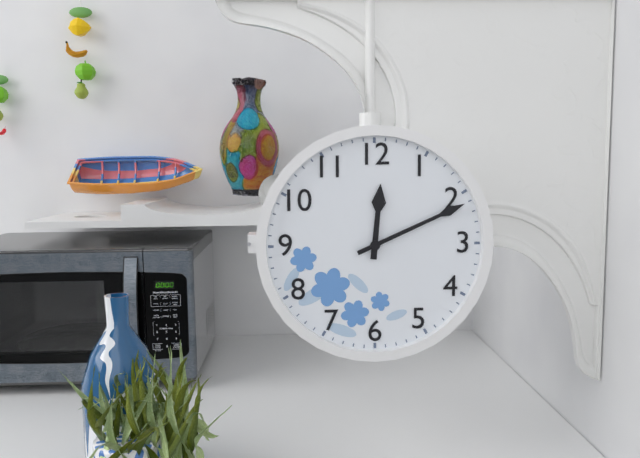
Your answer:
12 h 11 min
